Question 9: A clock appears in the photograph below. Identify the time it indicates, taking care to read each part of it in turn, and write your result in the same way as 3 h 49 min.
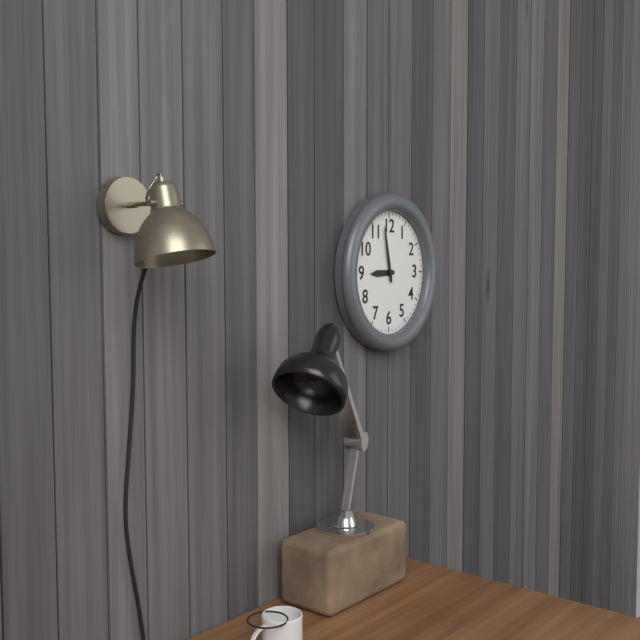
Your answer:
8 h 58 min
